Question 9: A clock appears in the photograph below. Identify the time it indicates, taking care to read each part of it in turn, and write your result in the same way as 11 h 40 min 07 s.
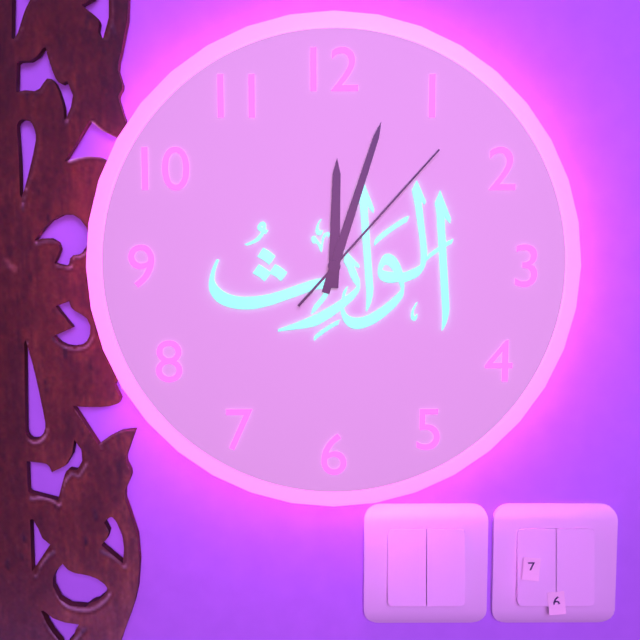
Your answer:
12 h 03 min 07 s
